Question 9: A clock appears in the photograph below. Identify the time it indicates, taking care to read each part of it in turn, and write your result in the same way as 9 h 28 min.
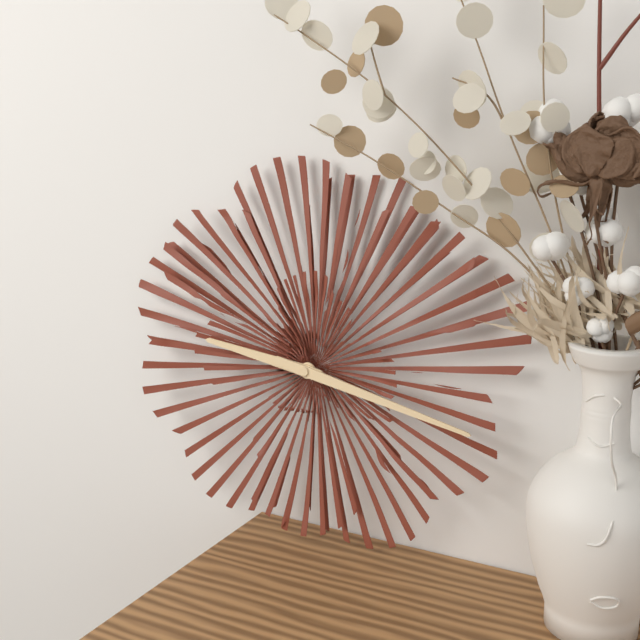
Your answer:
9 h 17 min
